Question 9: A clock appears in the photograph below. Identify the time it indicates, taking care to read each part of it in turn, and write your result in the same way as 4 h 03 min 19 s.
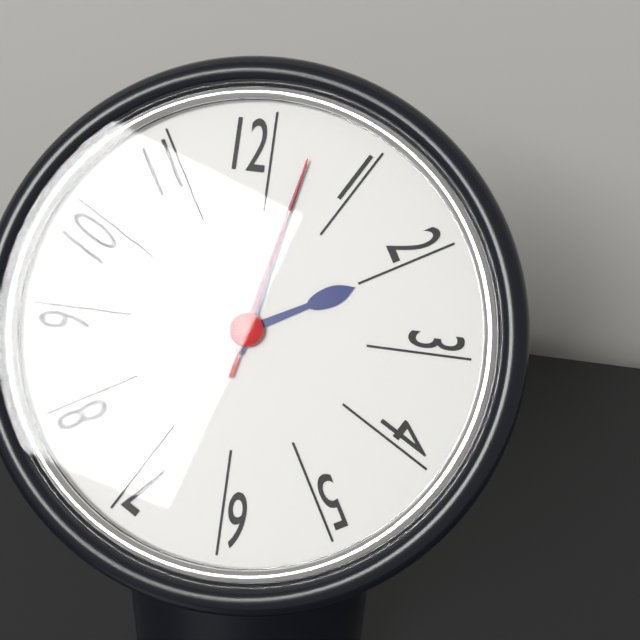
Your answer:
2 h 02 min 02 s
